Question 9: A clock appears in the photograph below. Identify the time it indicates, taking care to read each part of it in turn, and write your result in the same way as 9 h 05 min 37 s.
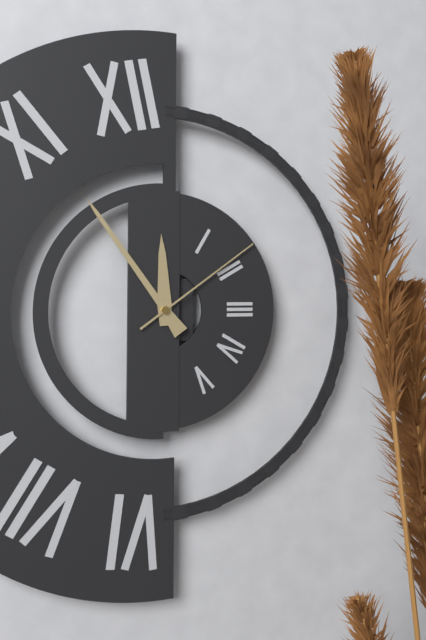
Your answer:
11 h 54 min 09 s
